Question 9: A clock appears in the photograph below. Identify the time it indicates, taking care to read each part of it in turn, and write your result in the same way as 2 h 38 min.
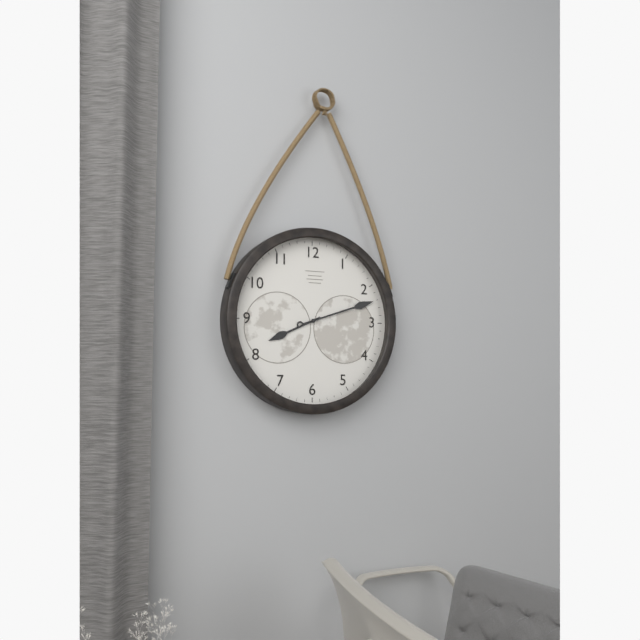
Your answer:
8 h 12 min
